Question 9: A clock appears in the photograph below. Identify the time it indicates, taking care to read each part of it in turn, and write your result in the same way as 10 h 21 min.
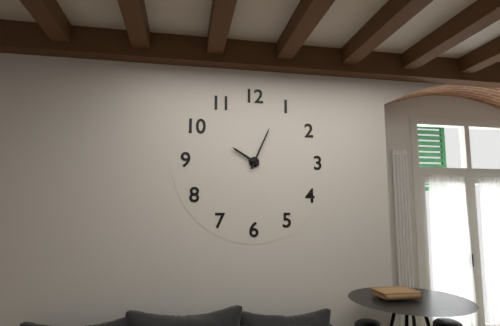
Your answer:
10 h 04 min
